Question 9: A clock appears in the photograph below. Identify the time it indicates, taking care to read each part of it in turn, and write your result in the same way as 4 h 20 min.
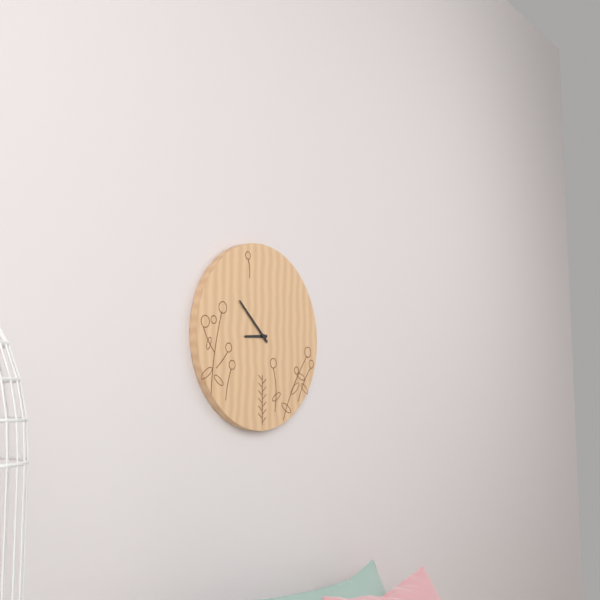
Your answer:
8 h 52 min
